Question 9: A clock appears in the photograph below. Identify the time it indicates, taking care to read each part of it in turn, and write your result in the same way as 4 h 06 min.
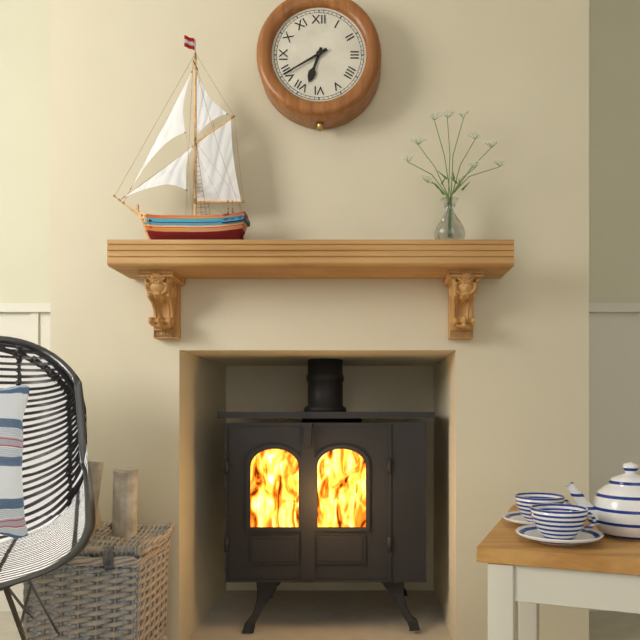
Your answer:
6 h 40 min
